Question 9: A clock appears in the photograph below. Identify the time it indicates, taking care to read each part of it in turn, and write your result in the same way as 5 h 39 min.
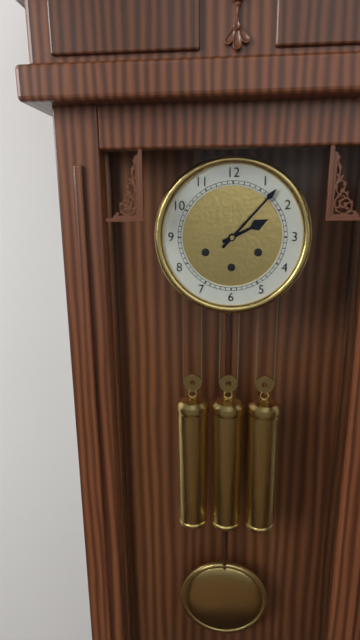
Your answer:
2 h 07 min
